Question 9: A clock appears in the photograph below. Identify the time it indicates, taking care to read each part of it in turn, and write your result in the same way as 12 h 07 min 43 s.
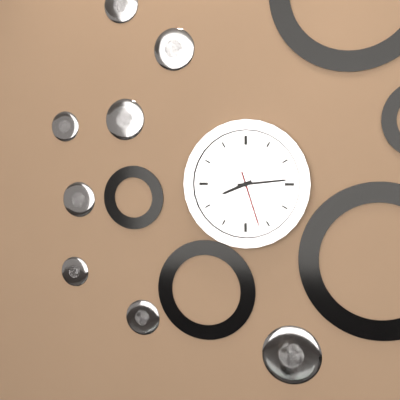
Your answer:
8 h 14 min 27 s
